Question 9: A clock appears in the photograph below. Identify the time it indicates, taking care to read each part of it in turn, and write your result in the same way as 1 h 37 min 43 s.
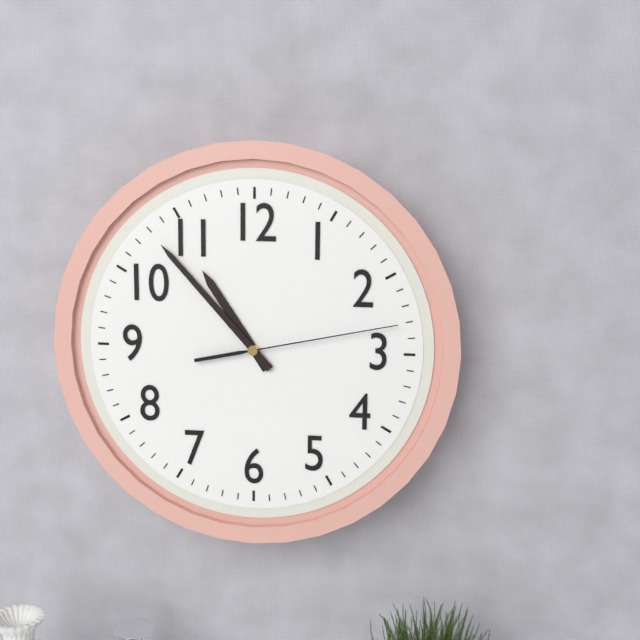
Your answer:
10 h 53 min 13 s
